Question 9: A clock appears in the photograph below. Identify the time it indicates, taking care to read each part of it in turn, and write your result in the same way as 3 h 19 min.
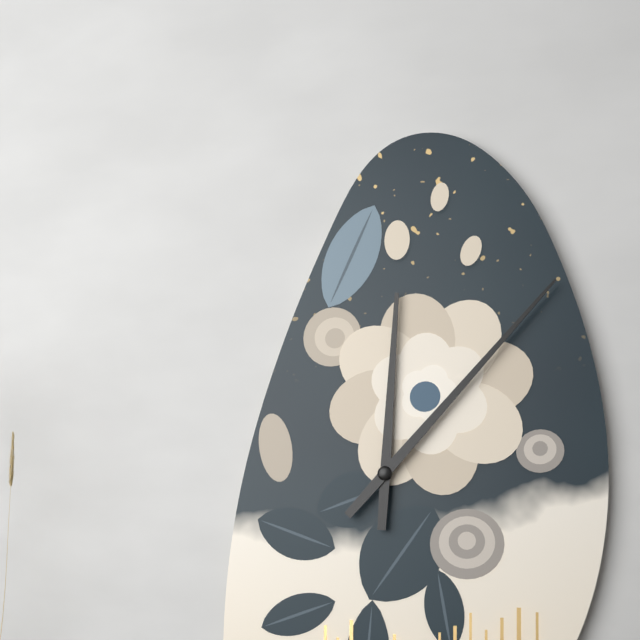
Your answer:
12 h 07 min
